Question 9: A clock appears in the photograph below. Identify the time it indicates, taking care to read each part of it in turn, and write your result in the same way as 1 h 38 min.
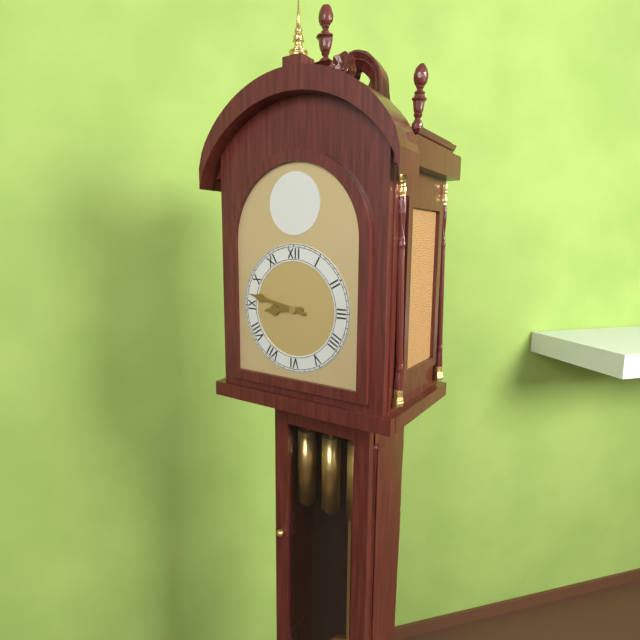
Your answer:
8 h 47 min
